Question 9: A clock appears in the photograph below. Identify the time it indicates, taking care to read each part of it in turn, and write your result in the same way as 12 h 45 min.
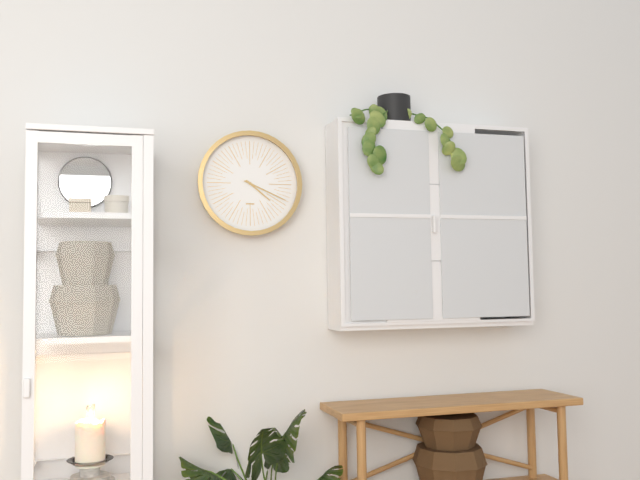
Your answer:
4 h 19 min
